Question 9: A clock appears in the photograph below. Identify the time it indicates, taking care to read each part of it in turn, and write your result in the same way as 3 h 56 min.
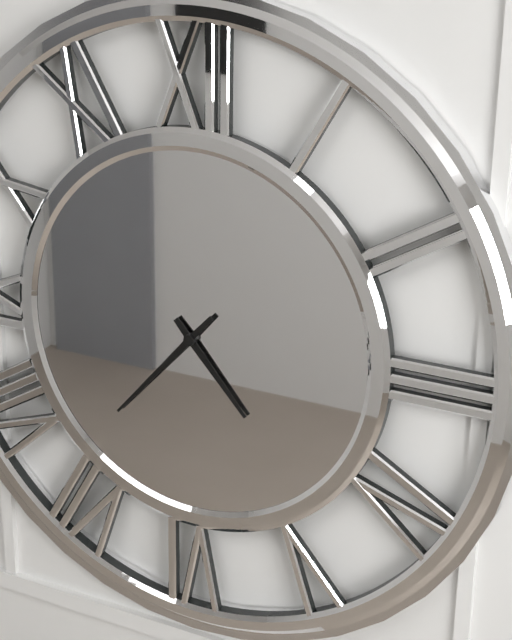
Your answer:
4 h 37 min
